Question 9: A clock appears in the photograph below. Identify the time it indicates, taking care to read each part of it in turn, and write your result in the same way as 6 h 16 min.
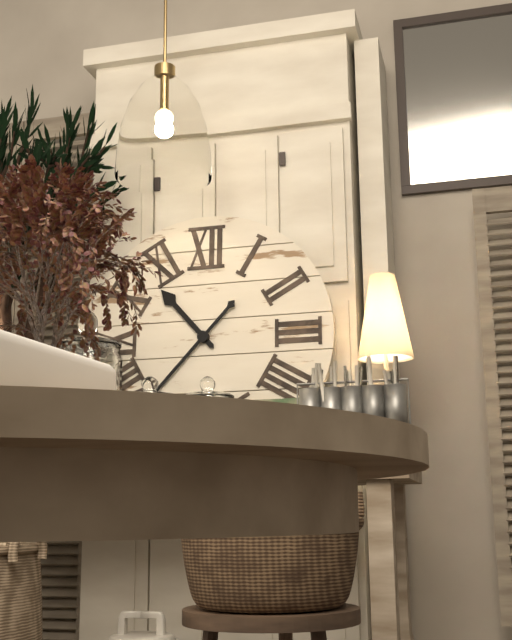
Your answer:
10 h 37 min
